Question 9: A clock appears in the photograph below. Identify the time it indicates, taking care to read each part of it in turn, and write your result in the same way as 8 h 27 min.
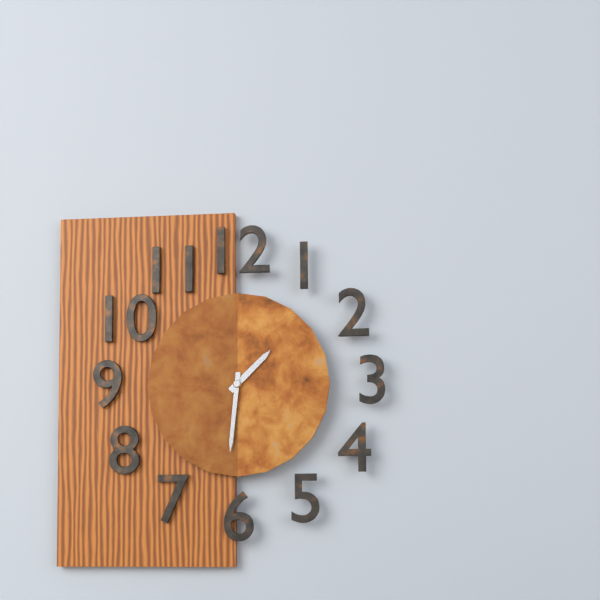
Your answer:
1 h 31 min
